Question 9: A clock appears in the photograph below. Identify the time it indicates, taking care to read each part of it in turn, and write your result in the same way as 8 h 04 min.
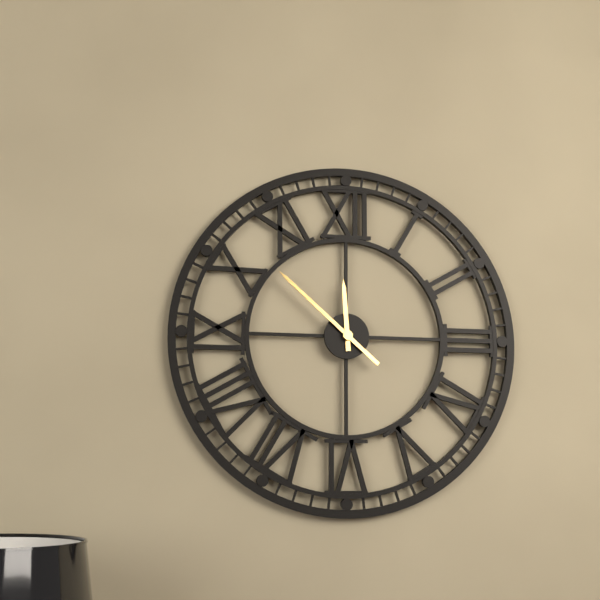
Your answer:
11 h 52 min
